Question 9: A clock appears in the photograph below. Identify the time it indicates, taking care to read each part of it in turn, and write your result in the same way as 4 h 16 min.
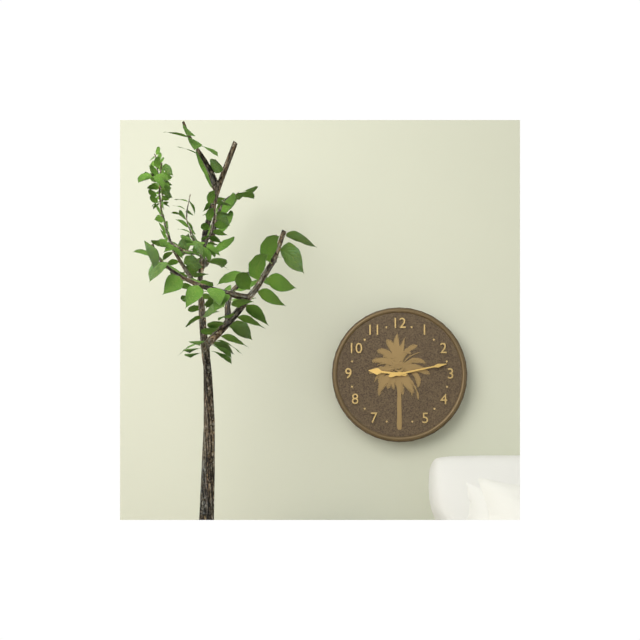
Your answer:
9 h 13 min
